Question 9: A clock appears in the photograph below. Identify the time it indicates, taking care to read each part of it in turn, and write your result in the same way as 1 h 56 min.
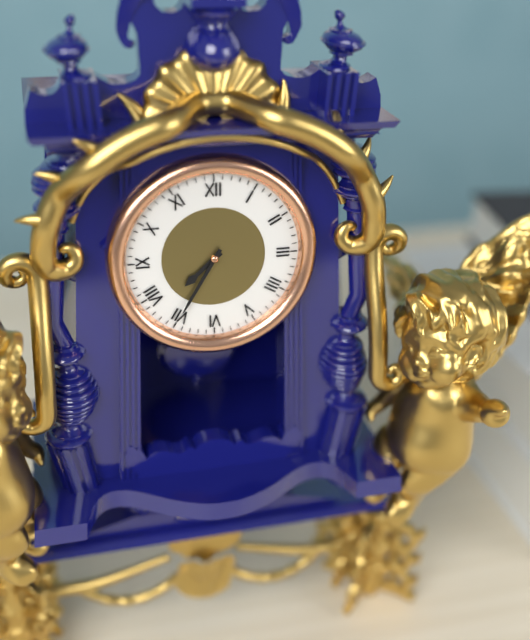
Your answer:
7 h 35 min
